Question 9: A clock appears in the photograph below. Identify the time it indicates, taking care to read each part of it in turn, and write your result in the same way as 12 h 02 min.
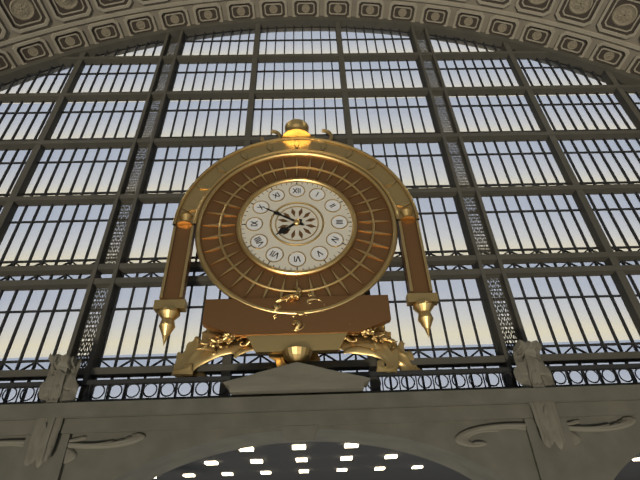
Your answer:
7 h 50 min
